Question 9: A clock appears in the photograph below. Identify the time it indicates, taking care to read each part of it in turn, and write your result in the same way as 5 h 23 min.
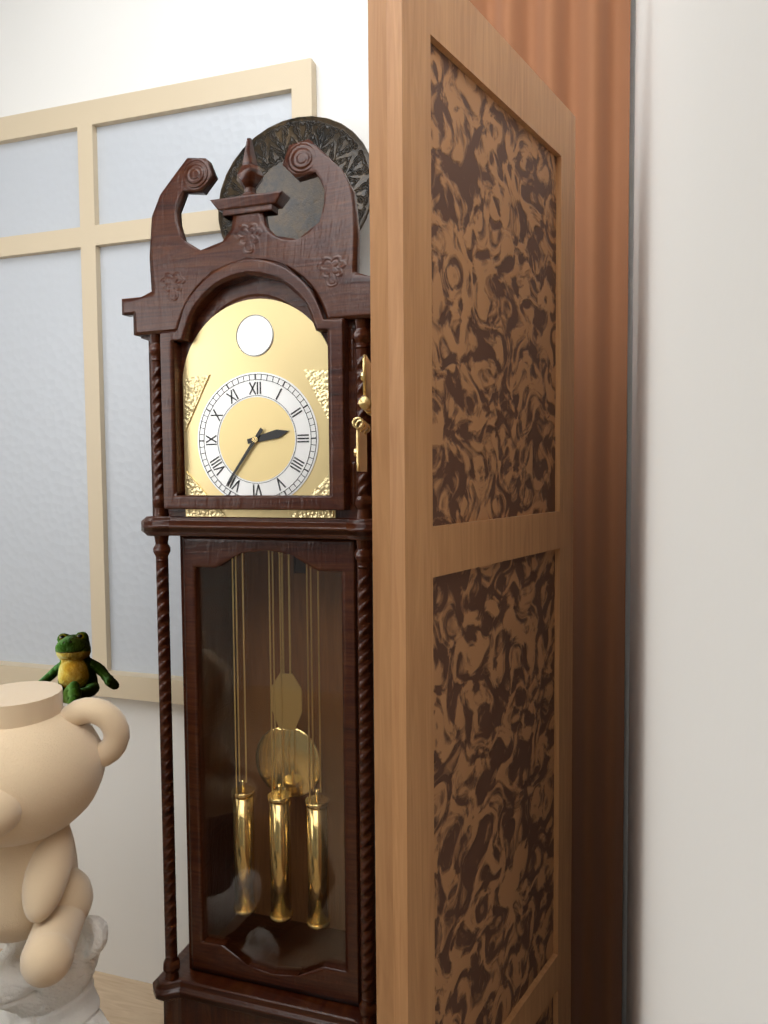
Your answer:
2 h 36 min
